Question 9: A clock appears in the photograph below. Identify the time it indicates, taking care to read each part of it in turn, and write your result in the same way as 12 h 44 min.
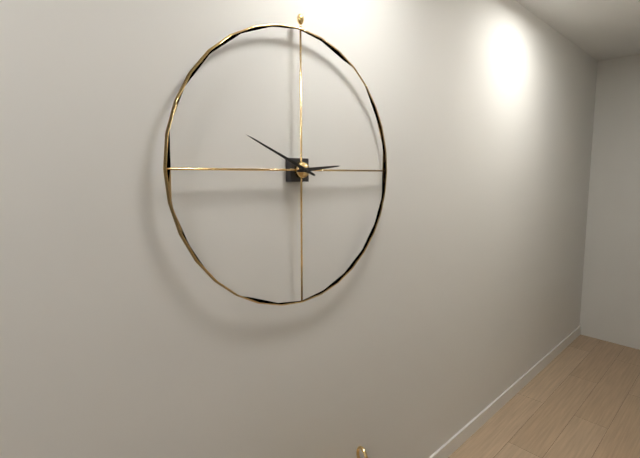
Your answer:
2 h 49 min
